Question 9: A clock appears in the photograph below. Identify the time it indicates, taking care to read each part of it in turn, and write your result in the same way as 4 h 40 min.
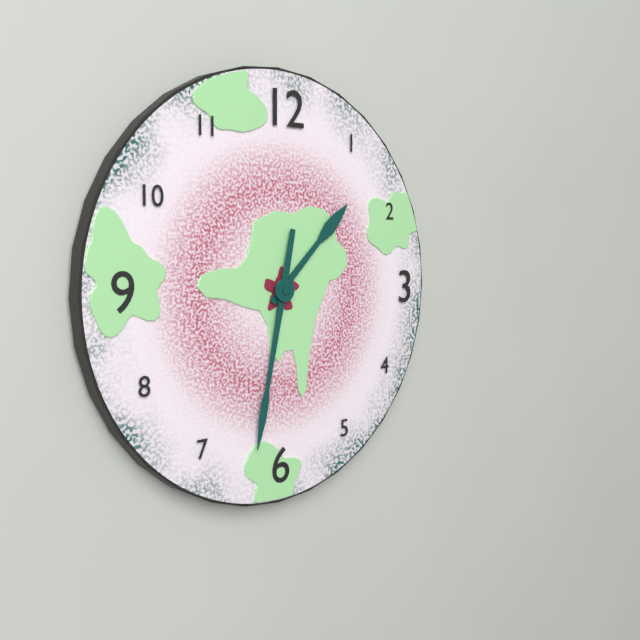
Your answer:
1 h 32 min
